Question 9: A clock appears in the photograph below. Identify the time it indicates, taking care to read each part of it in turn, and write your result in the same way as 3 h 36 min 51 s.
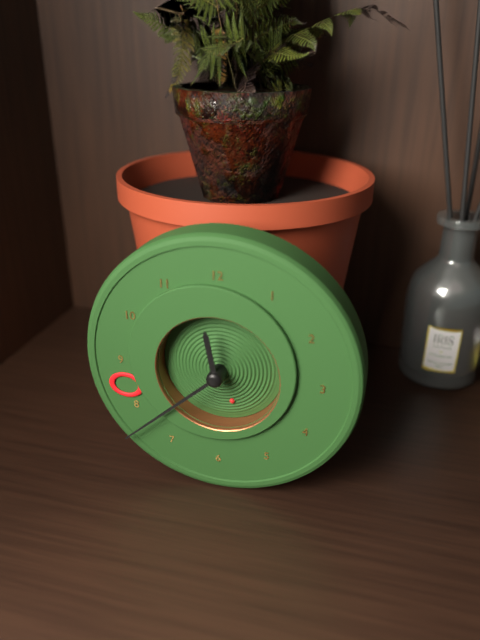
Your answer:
11 h 38 min 27 s
